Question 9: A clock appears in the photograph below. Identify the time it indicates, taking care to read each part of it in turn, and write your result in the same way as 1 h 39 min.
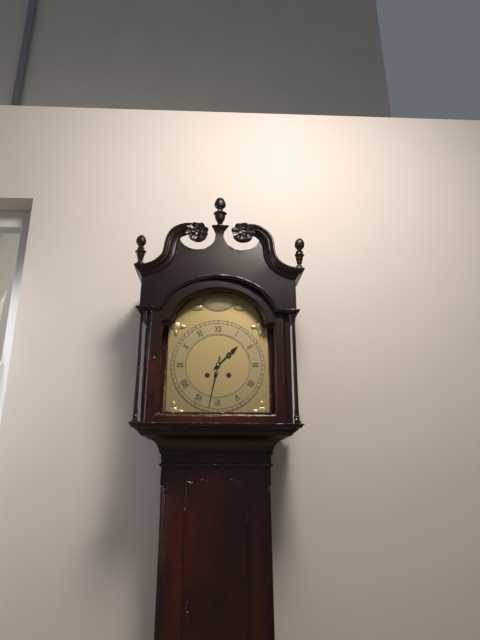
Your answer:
1 h 32 min
